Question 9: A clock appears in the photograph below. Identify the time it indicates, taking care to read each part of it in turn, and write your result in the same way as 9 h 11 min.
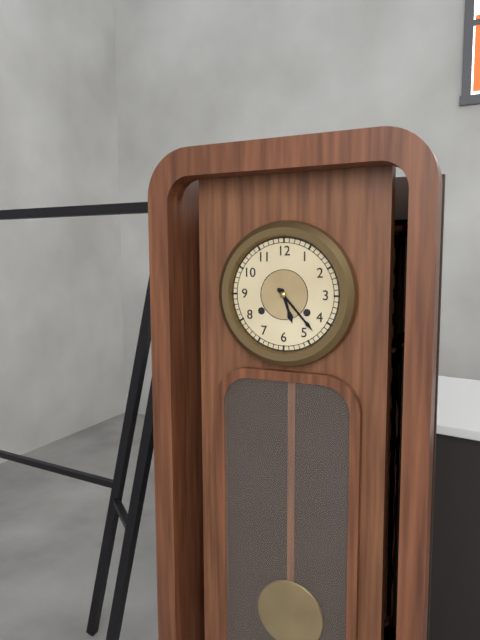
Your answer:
5 h 23 min
